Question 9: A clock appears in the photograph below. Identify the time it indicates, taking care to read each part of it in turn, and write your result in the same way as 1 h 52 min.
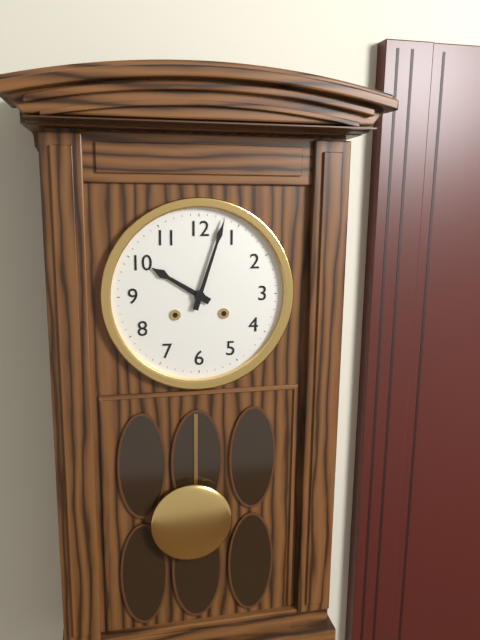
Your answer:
10 h 03 min
